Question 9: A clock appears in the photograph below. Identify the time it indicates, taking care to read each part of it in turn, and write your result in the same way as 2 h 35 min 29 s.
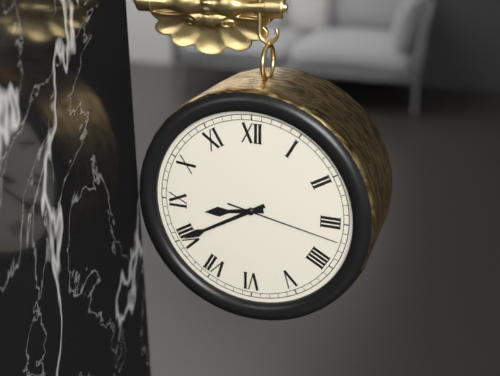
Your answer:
8 h 40 min 17 s
